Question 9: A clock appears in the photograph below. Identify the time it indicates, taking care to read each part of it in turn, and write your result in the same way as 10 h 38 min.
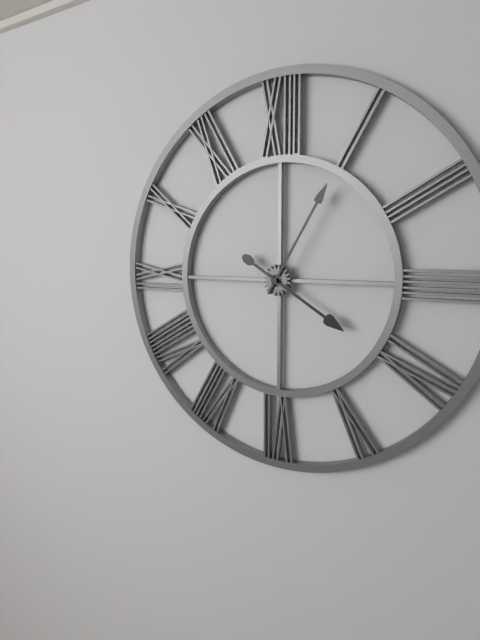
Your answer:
4 h 05 min
